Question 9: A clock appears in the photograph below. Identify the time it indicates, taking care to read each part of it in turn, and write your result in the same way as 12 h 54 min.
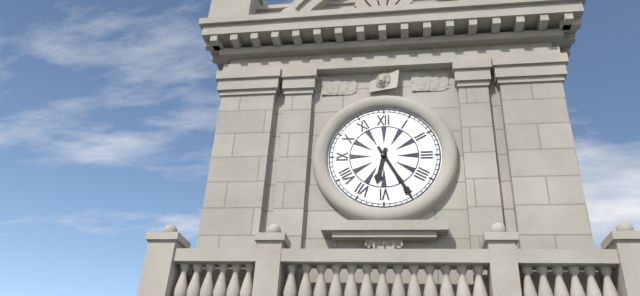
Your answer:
6 h 25 min
